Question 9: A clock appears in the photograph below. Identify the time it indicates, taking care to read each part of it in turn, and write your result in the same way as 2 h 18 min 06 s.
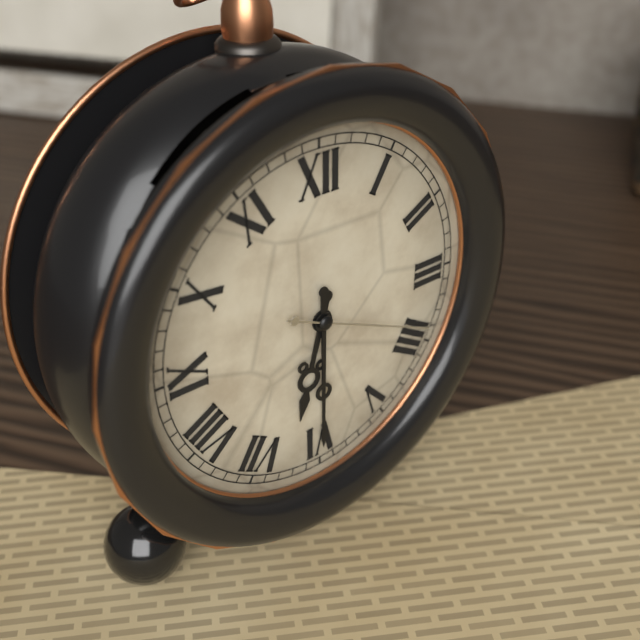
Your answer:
6 h 30 min 19 s
